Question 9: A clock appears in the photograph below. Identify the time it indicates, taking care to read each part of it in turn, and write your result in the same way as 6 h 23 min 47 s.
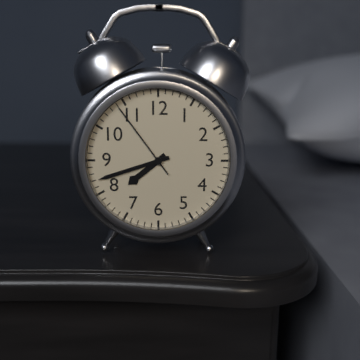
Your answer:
7 h 42 min 54 s
